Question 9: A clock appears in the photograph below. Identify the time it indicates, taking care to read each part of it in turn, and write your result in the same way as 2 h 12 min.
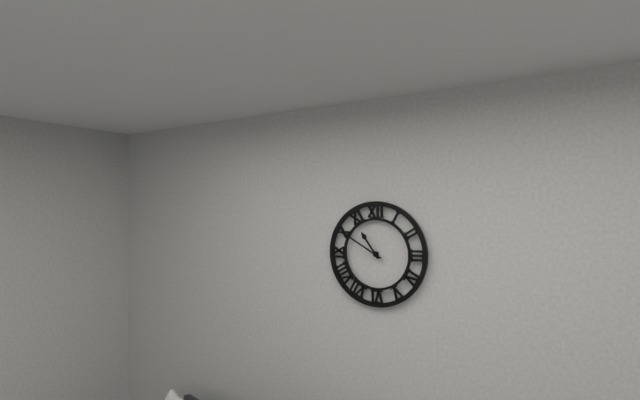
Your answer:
10 h 50 min
